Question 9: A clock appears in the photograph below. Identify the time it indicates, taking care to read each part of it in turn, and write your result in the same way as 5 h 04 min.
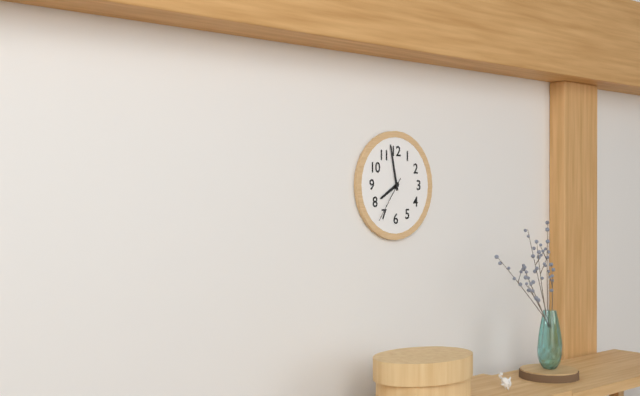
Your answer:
7 h 58 min
